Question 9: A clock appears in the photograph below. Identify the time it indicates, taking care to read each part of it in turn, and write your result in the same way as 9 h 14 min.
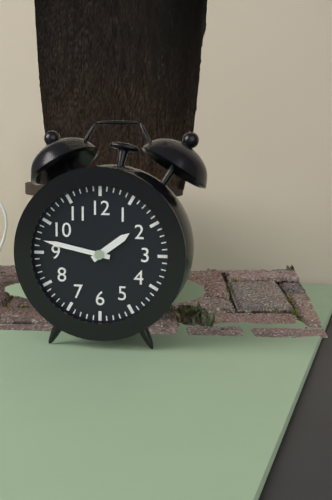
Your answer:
1 h 47 min
